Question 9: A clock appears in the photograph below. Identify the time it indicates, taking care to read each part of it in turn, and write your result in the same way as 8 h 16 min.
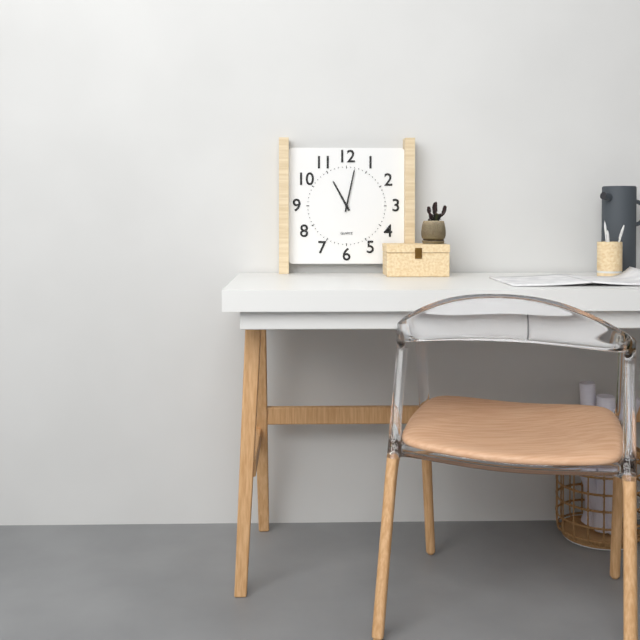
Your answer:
11 h 02 min
